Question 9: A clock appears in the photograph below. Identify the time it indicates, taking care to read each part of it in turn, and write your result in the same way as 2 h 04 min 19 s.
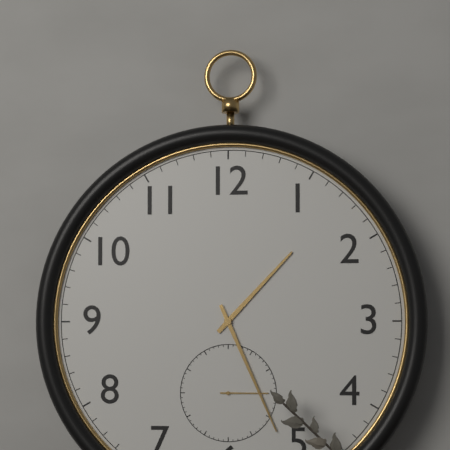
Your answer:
1 h 26 min 15 s
